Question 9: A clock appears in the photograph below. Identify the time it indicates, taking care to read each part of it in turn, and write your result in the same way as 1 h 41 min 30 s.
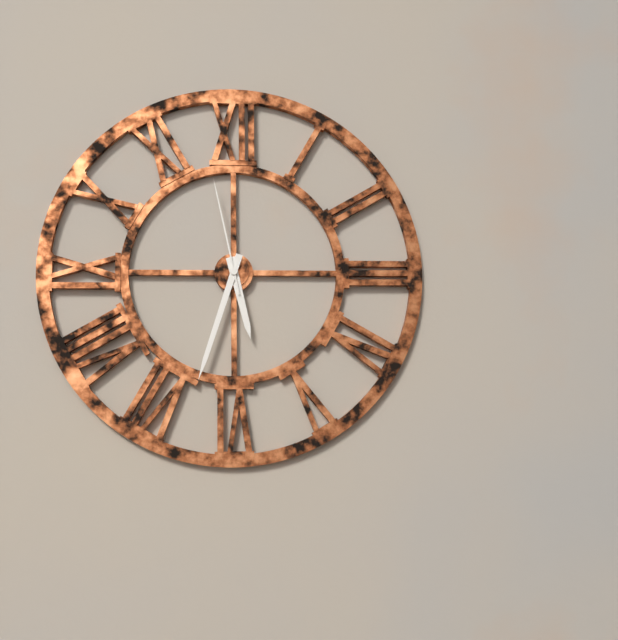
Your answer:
5 h 33 min 58 s
